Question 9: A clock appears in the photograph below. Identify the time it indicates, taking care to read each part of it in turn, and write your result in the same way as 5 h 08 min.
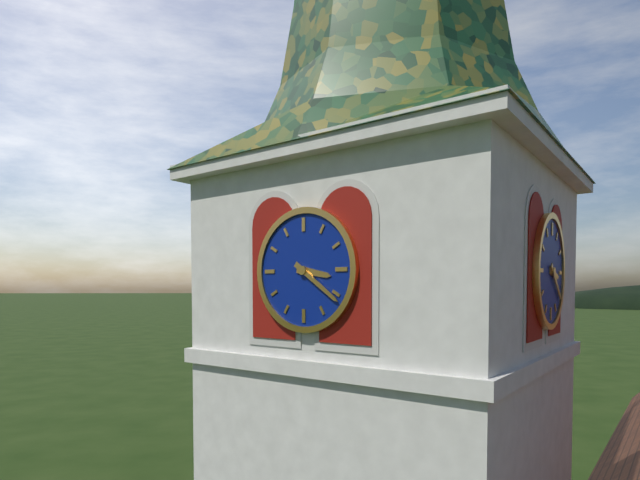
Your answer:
3 h 21 min
